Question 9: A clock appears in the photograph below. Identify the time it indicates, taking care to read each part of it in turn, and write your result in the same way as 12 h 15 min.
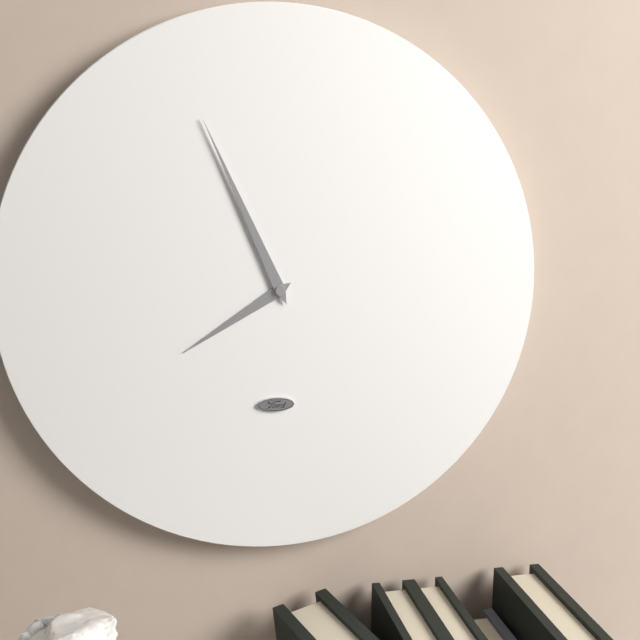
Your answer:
7 h 56 min
